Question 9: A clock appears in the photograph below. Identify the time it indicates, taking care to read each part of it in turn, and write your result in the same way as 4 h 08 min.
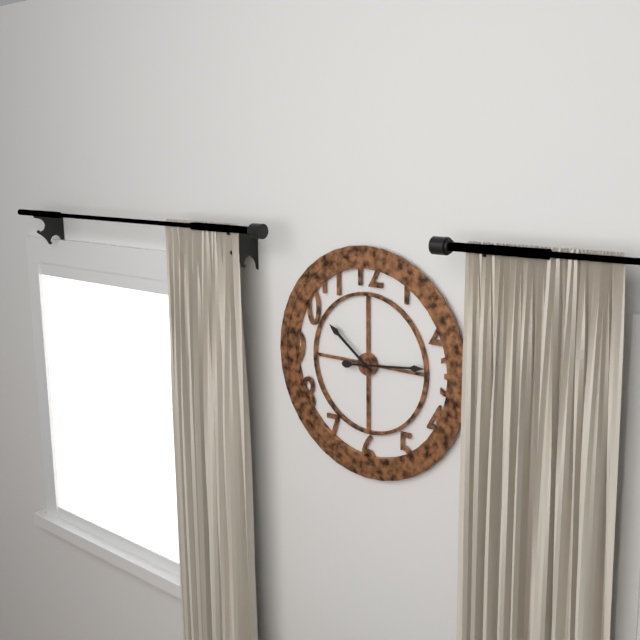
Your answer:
10 h 14 min
